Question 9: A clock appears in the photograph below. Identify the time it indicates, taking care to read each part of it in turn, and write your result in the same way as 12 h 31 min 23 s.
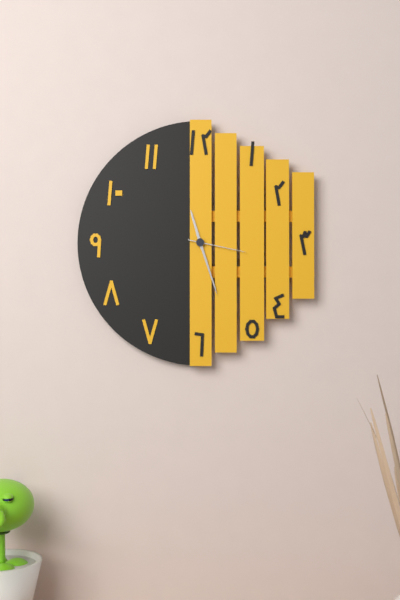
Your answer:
11 h 27 min 17 s
